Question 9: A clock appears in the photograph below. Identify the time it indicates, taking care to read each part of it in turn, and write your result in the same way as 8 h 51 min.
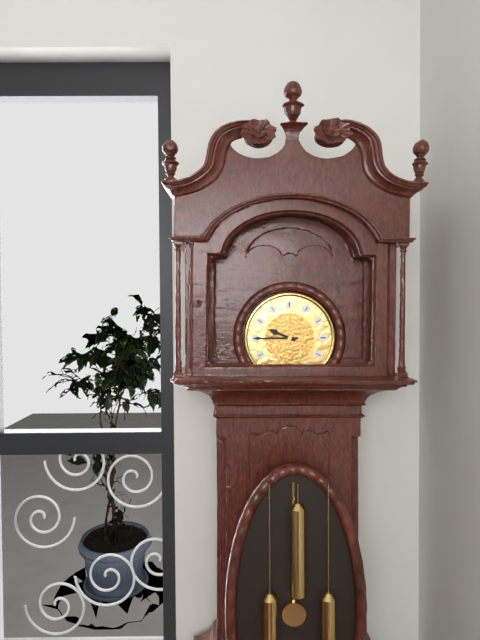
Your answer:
9 h 45 min
